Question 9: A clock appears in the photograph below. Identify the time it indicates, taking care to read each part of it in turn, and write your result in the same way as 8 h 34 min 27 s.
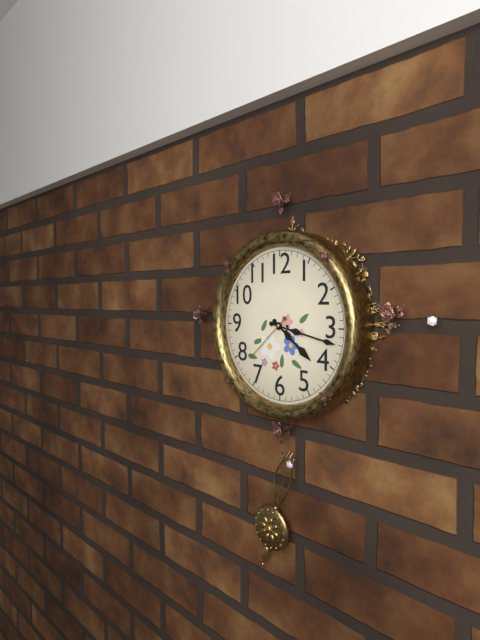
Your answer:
4 h 17 min 38 s
